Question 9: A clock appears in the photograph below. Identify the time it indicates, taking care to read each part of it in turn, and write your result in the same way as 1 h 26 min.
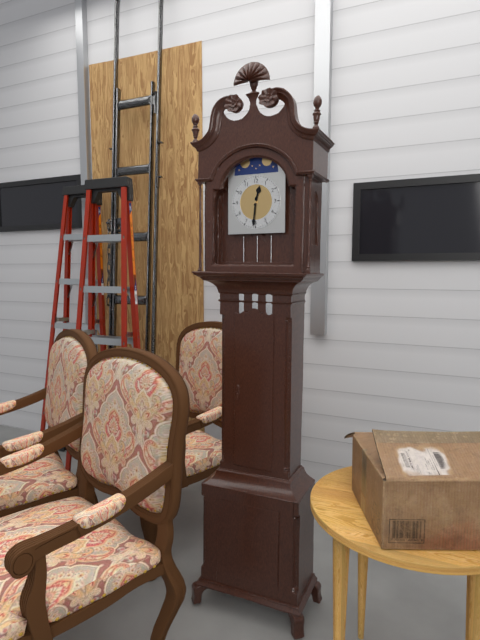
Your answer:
12 h 31 min
